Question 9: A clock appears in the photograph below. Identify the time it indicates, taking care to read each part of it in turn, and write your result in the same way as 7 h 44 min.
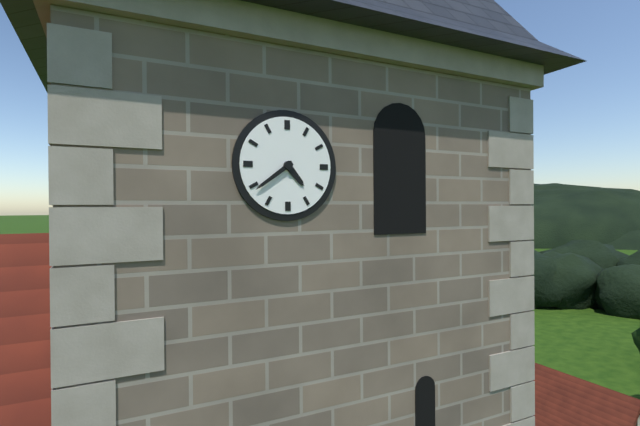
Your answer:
4 h 39 min
